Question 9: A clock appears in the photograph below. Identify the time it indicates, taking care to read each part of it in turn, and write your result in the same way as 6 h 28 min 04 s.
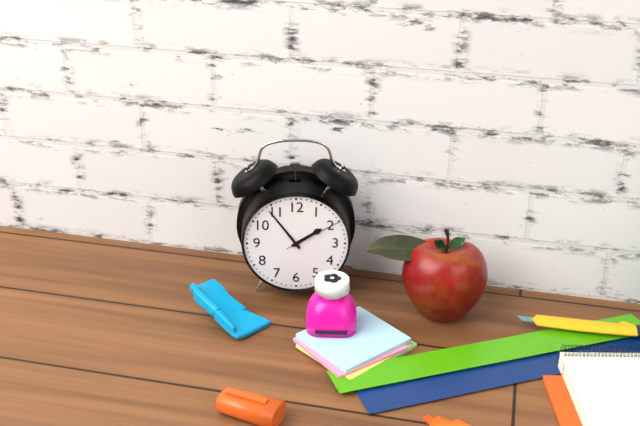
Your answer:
1 h 54 min 10 s
